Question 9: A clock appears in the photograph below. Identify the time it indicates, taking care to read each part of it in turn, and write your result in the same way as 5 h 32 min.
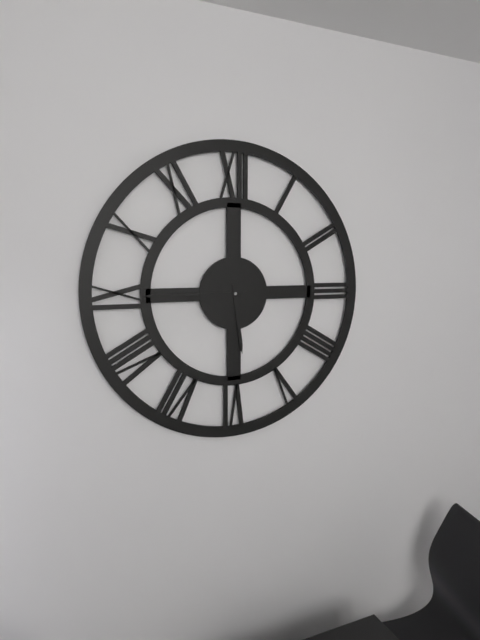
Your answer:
5 h 45 min
